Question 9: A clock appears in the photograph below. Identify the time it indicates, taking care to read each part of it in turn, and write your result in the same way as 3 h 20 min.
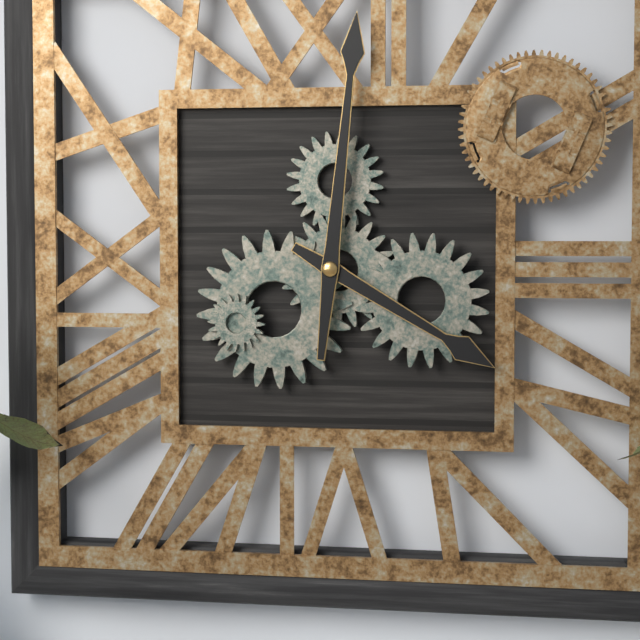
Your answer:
4 h 01 min
